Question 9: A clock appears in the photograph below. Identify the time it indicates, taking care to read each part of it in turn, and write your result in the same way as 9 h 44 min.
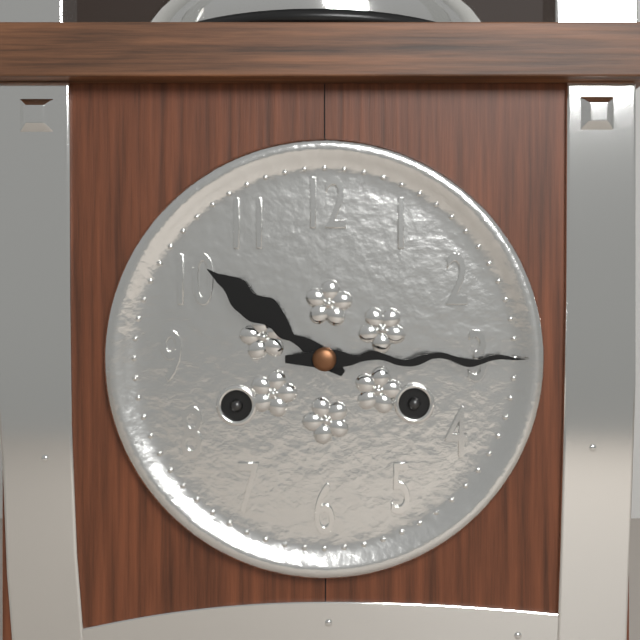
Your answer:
10 h 15 min
